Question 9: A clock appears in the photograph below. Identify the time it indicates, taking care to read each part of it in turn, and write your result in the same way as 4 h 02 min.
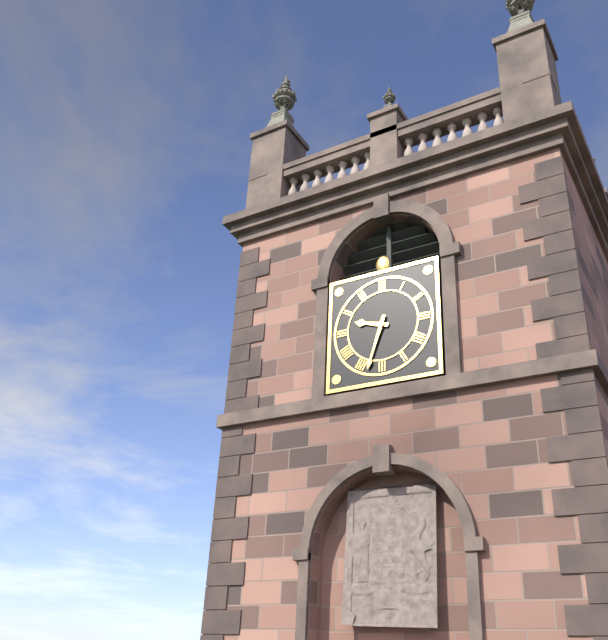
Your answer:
9 h 33 min
